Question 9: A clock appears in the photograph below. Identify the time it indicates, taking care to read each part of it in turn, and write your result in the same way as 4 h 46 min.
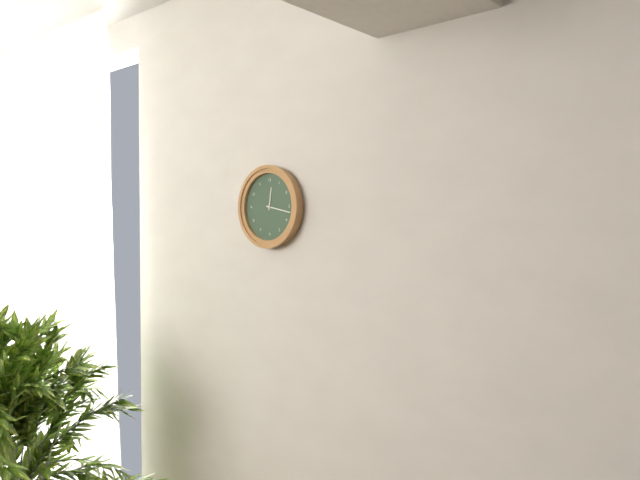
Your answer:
12 h 17 min
